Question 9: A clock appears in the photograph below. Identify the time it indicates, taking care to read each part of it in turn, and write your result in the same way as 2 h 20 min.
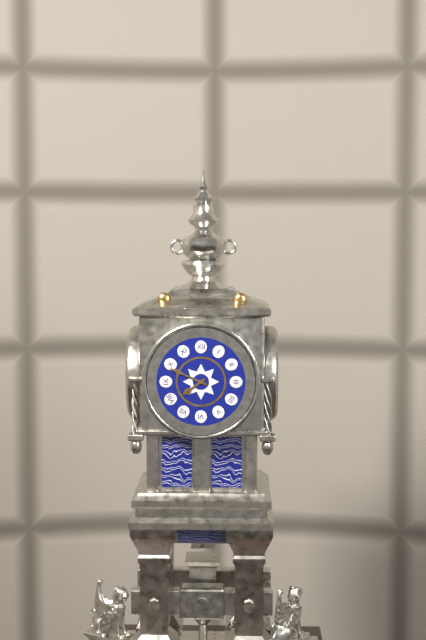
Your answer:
7 h 49 min
